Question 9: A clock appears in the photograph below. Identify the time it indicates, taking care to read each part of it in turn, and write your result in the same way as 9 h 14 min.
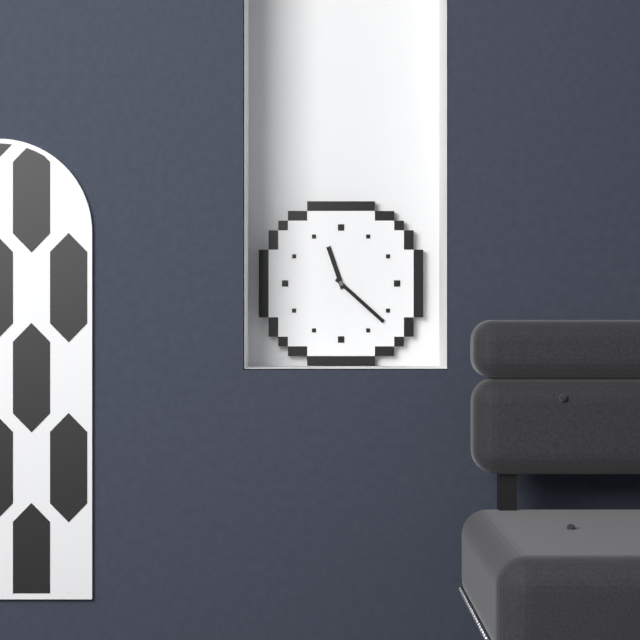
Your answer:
11 h 22 min
